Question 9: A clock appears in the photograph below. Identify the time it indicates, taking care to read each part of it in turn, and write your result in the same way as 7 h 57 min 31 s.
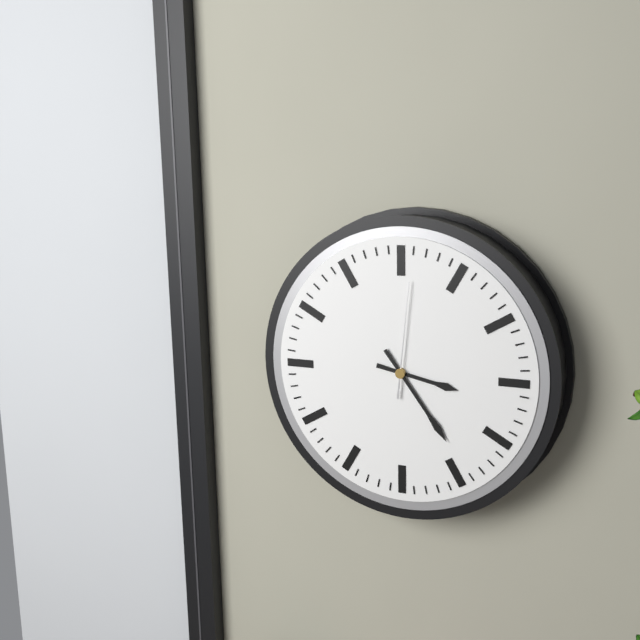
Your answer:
3 h 24 min 01 s
